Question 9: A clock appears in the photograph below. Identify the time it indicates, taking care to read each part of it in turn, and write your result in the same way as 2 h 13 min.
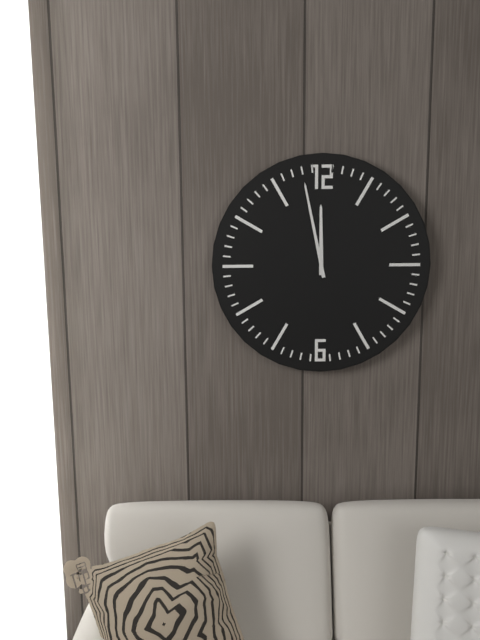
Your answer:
11 h 58 min
